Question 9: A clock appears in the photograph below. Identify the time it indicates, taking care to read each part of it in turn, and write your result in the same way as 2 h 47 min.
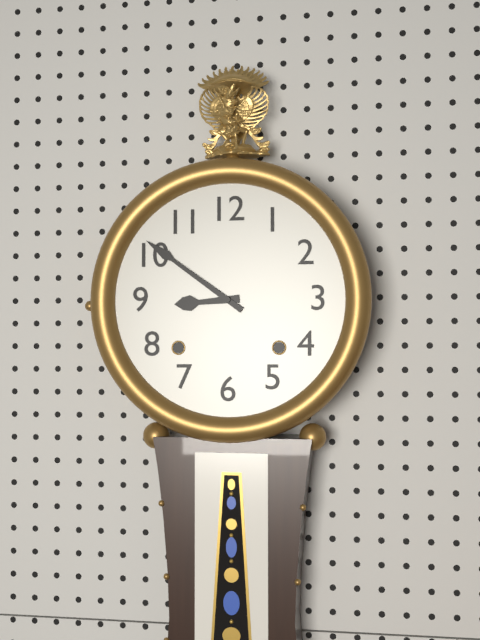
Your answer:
8 h 51 min
